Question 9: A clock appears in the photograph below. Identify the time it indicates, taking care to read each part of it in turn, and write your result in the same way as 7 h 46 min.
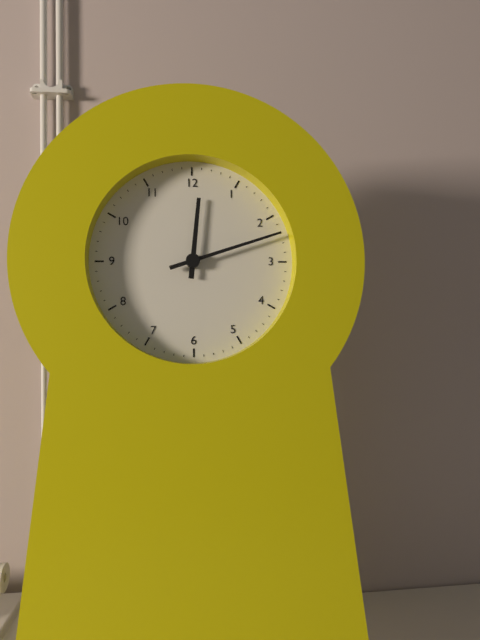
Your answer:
12 h 12 min
